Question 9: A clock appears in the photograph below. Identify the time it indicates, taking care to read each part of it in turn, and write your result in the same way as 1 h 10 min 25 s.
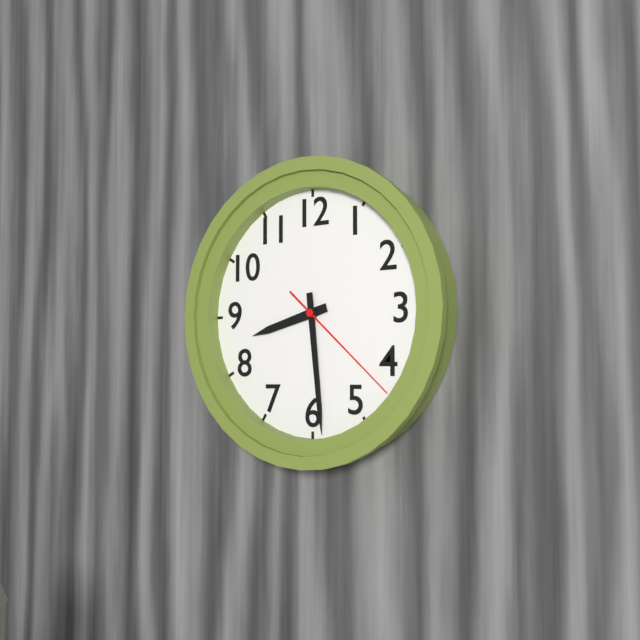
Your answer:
8 h 29 min 22 s
